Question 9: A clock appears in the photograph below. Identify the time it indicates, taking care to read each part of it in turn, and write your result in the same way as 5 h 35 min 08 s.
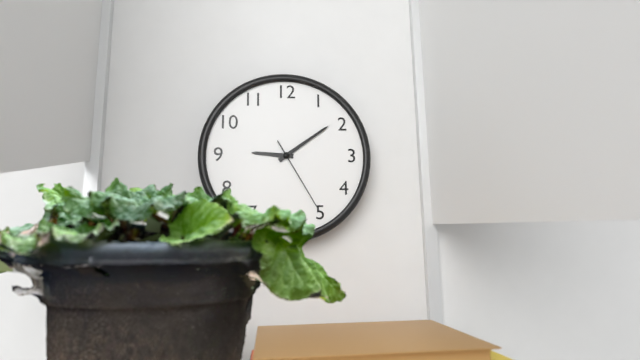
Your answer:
9 h 09 min 25 s
